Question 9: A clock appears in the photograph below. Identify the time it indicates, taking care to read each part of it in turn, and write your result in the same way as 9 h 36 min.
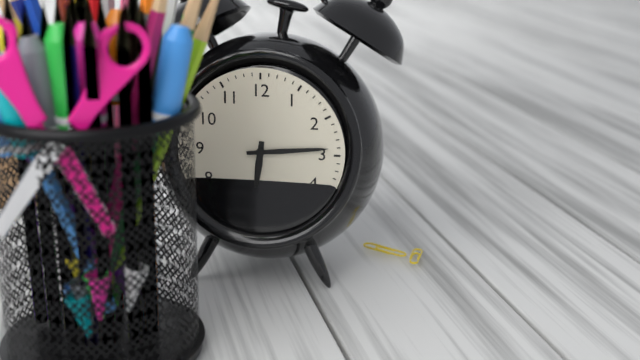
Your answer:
6 h 14 min
